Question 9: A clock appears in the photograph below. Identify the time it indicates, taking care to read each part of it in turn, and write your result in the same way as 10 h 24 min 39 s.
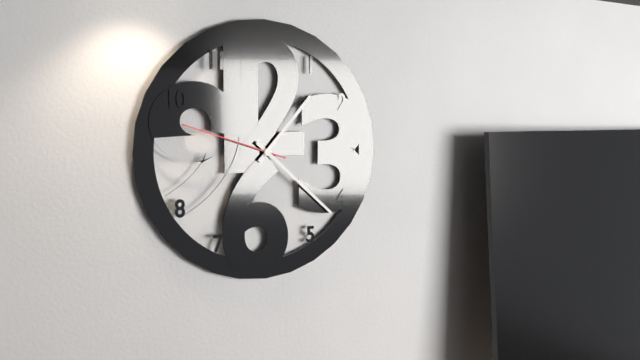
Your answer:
1 h 22 min 48 s
